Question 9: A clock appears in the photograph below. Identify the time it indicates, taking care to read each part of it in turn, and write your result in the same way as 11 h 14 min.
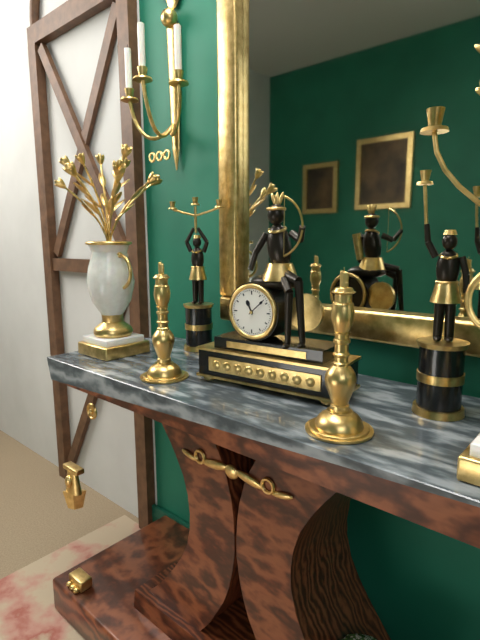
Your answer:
11 h 08 min
